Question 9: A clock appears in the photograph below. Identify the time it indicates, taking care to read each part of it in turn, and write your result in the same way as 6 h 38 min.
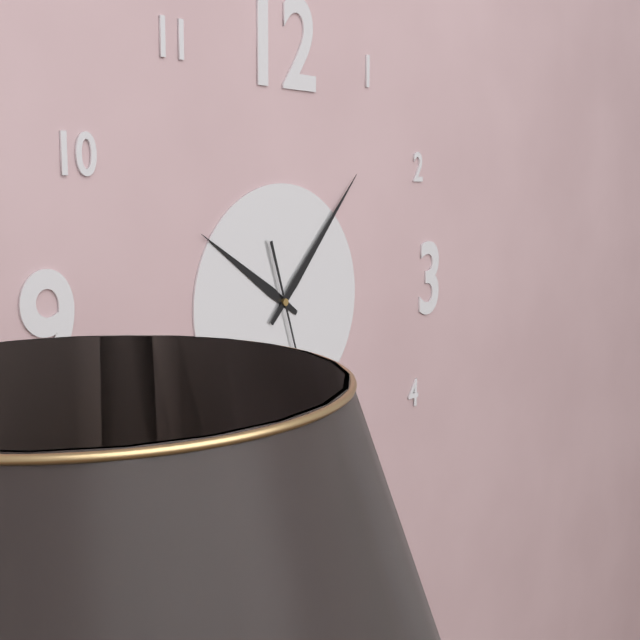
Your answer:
10 h 07 min
